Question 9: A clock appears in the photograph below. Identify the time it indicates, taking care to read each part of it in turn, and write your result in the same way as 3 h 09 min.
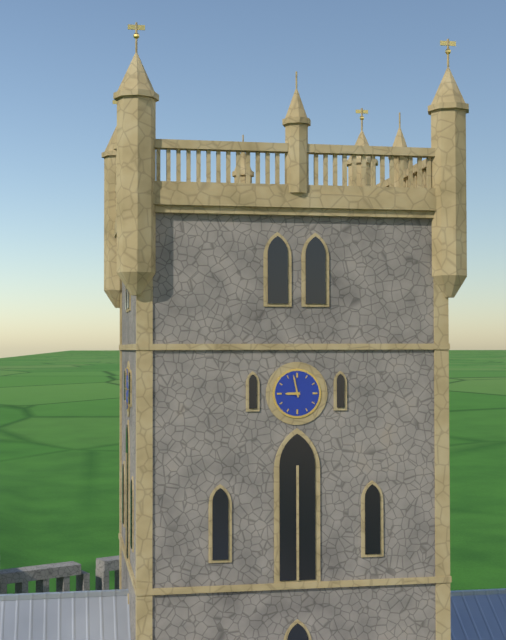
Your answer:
8 h 58 min
